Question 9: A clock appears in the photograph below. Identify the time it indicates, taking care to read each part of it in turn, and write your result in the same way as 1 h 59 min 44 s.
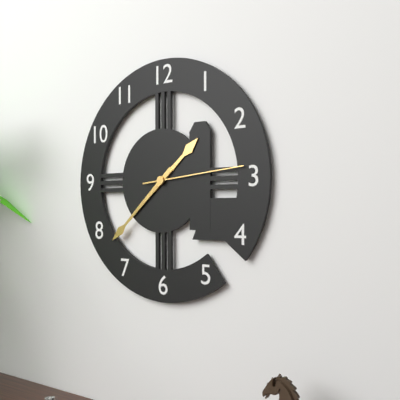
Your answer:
1 h 38 min 14 s
